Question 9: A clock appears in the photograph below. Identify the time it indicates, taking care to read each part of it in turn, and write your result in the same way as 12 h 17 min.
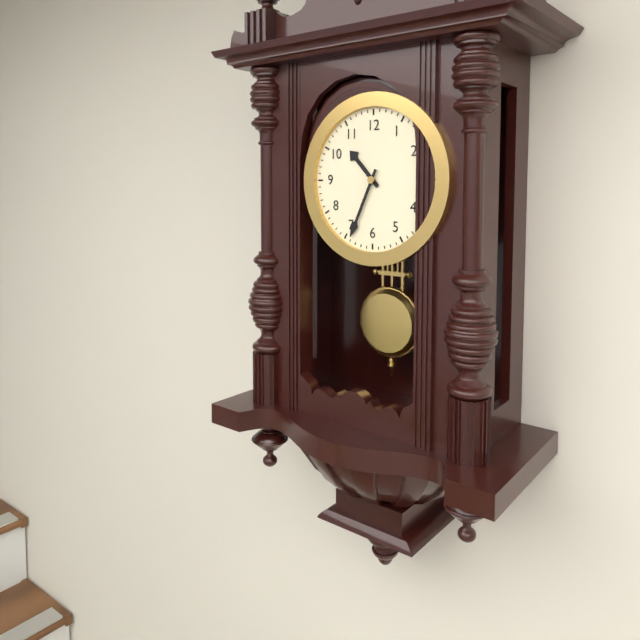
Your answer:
10 h 34 min
